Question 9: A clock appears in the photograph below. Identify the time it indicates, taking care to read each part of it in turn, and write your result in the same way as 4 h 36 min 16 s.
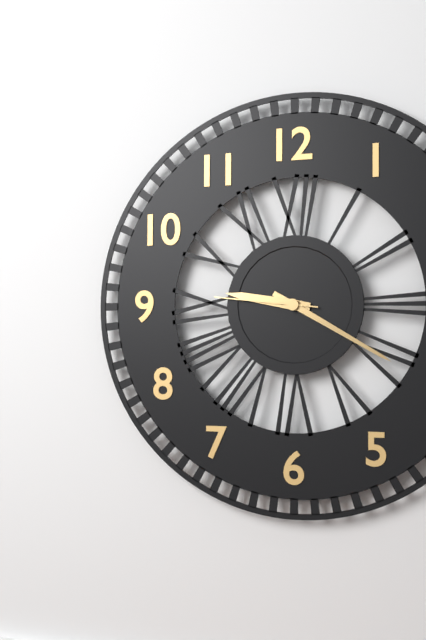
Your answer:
9 h 20 min 46 s
